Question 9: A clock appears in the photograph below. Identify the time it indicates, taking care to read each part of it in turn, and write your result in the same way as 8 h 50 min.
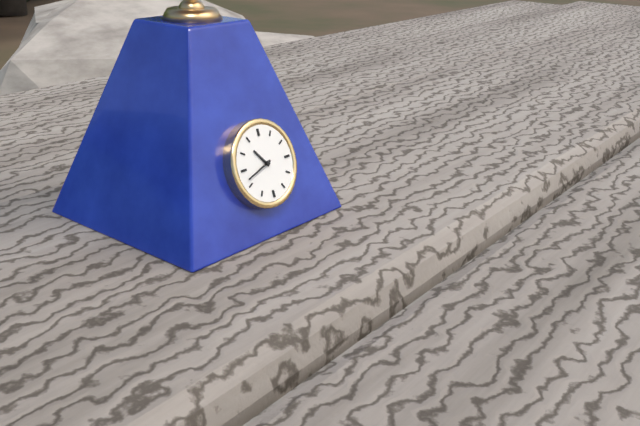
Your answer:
10 h 42 min
